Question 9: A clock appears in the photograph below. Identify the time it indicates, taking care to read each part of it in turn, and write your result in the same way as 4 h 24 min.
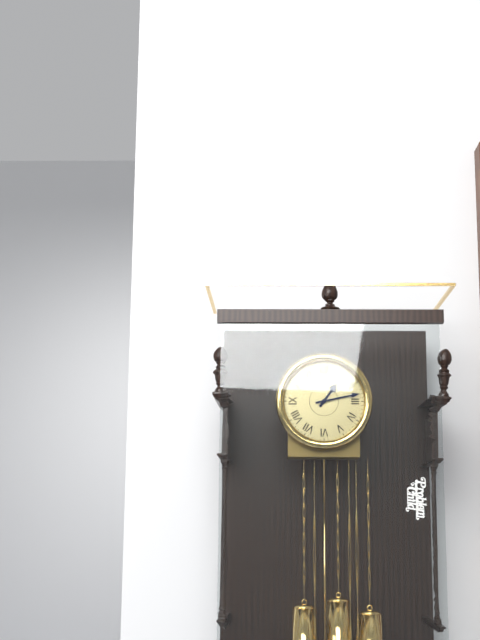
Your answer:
1 h 13 min
